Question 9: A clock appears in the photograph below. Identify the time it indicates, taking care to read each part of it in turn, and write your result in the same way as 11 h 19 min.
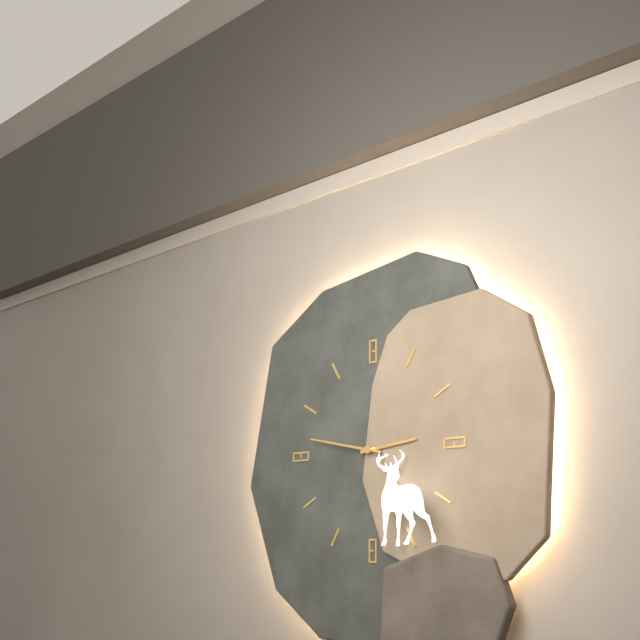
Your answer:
2 h 47 min
